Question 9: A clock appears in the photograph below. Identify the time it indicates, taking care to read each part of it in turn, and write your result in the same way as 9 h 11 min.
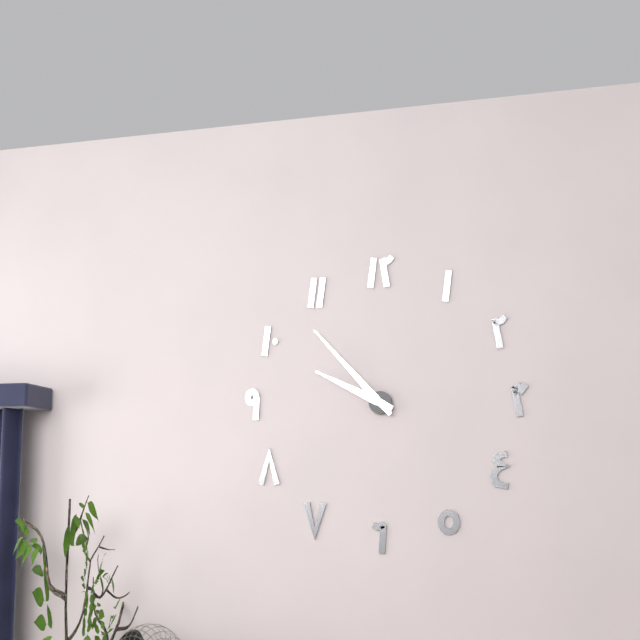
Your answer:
9 h 53 min
